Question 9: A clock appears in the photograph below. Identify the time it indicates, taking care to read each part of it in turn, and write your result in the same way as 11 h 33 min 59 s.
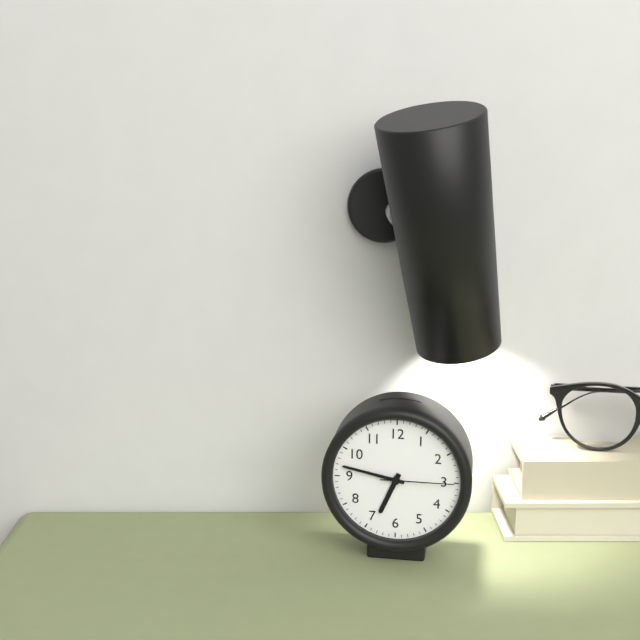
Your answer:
6 h 47 min 15 s
